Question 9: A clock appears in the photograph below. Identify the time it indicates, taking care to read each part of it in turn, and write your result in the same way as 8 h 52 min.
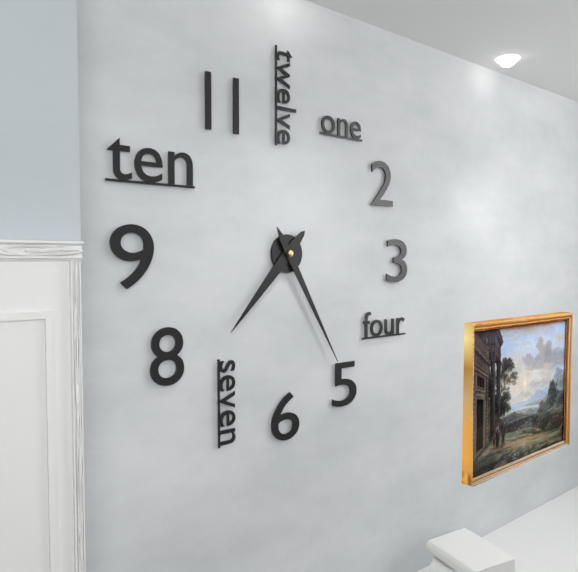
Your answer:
7 h 25 min
